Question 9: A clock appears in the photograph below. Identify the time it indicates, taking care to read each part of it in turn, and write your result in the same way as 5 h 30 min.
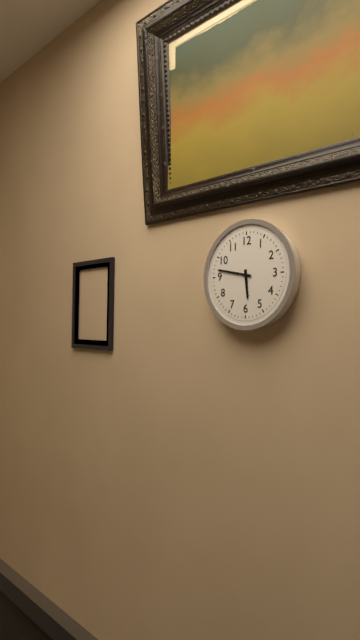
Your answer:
5 h 47 min
